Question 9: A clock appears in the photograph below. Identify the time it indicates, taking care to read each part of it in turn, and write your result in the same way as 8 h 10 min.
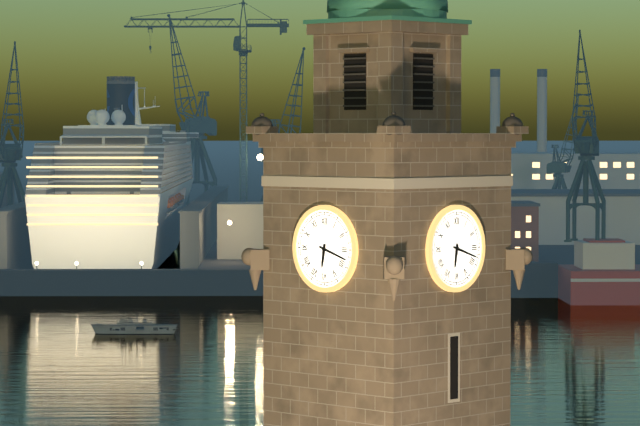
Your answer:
6 h 18 min
